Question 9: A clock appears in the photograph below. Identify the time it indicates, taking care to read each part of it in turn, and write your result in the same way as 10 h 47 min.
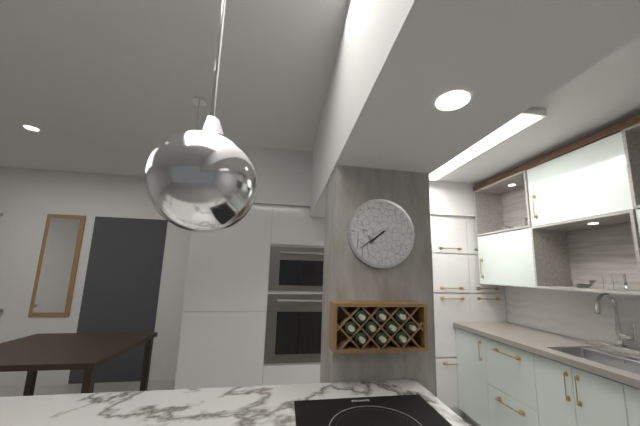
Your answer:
7 h 39 min
